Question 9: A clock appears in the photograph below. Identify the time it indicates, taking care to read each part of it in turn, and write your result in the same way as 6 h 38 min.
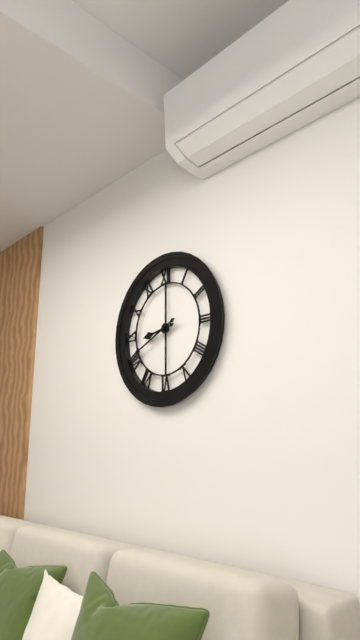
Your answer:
8 h 41 min
